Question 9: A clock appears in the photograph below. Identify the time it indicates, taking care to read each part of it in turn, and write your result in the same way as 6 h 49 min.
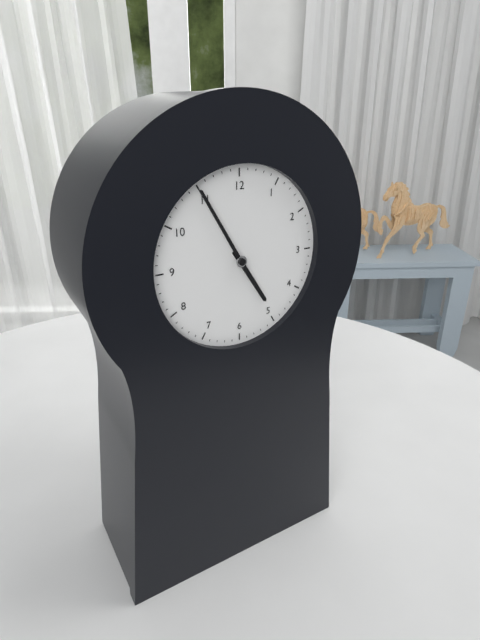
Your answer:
4 h 55 min
